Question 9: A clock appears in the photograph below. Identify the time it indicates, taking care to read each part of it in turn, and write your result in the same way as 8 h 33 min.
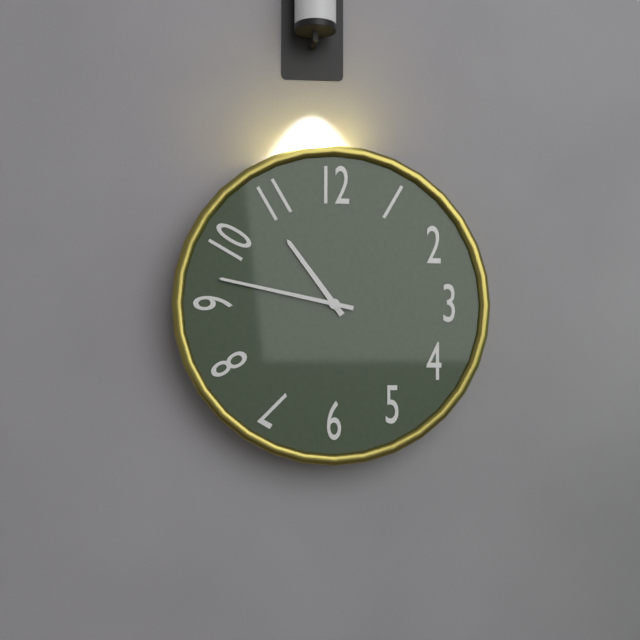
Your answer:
10 h 47 min
